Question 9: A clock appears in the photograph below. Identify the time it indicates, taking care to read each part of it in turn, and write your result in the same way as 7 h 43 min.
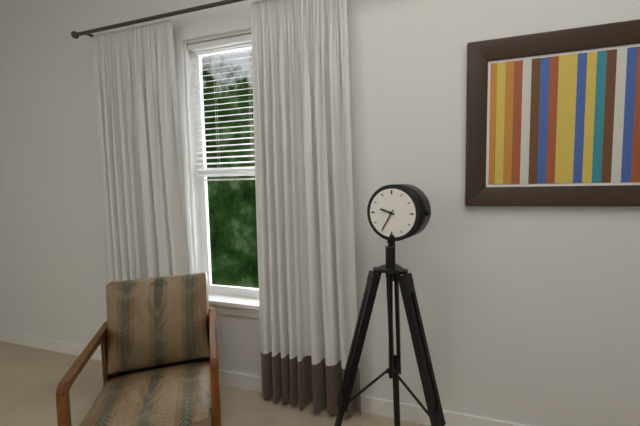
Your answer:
9 h 35 min
